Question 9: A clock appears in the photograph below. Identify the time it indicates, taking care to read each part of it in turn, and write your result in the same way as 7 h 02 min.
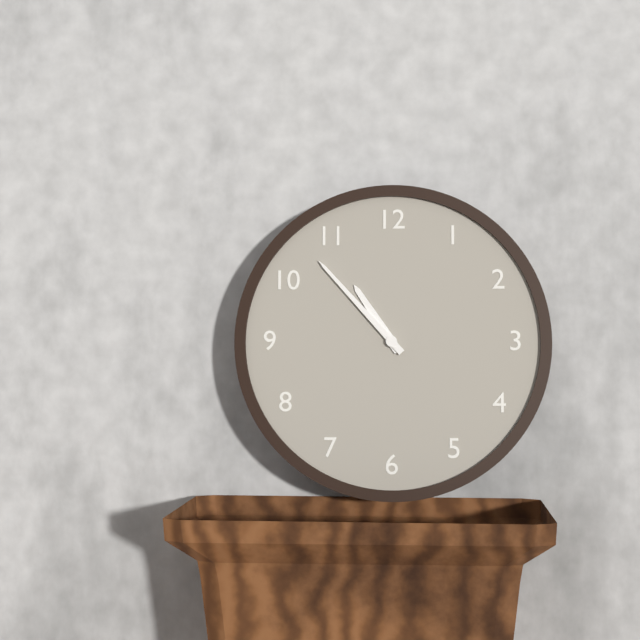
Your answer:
10 h 53 min
